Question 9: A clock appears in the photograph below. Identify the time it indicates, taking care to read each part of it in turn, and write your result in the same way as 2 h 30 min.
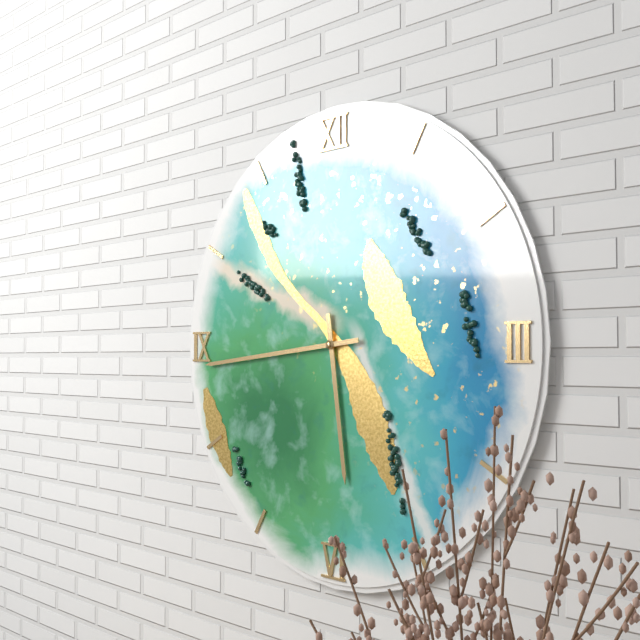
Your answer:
5 h 44 min
